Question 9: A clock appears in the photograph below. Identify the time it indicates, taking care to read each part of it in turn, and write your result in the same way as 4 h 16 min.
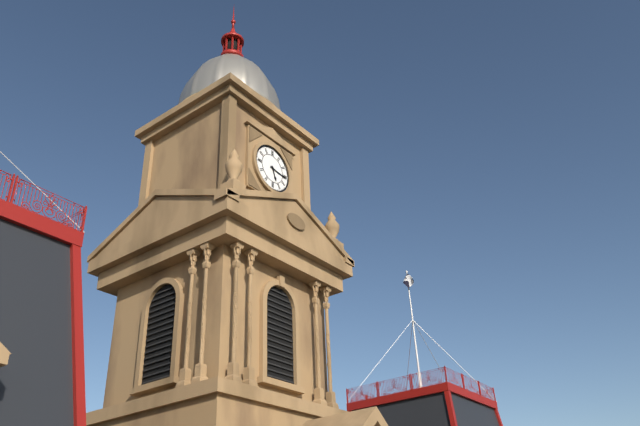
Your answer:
5 h 16 min
